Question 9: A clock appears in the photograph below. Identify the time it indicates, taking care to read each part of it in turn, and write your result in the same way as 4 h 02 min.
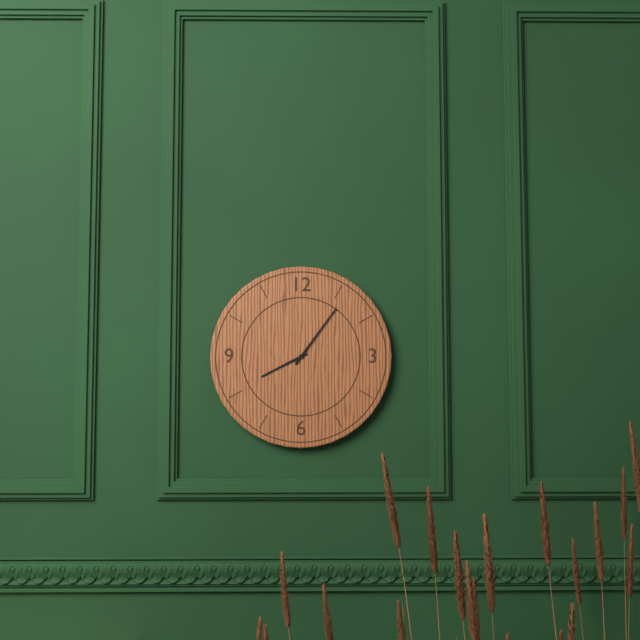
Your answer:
8 h 06 min
